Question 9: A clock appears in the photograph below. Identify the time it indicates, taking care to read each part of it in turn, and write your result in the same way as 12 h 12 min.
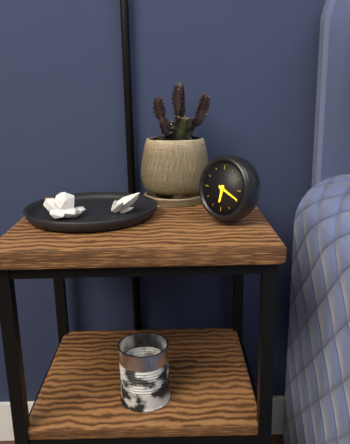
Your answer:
6 h 19 min
